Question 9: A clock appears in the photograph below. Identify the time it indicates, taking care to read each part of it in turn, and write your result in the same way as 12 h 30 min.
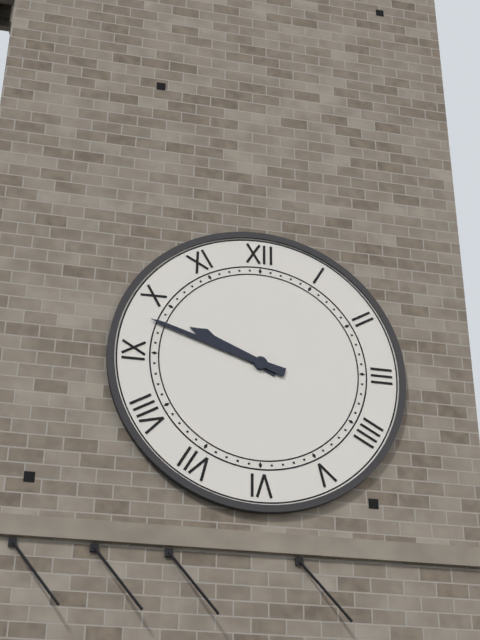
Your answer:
9 h 48 min
